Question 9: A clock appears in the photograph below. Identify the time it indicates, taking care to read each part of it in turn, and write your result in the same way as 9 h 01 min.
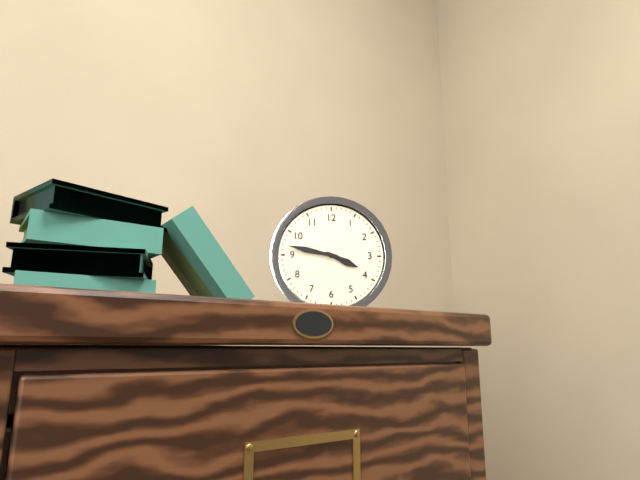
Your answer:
3 h 47 min
